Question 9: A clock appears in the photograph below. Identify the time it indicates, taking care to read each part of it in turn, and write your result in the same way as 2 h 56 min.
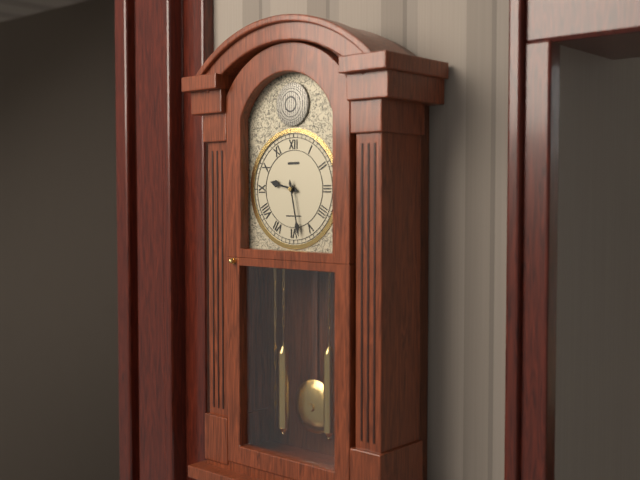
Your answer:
9 h 28 min
